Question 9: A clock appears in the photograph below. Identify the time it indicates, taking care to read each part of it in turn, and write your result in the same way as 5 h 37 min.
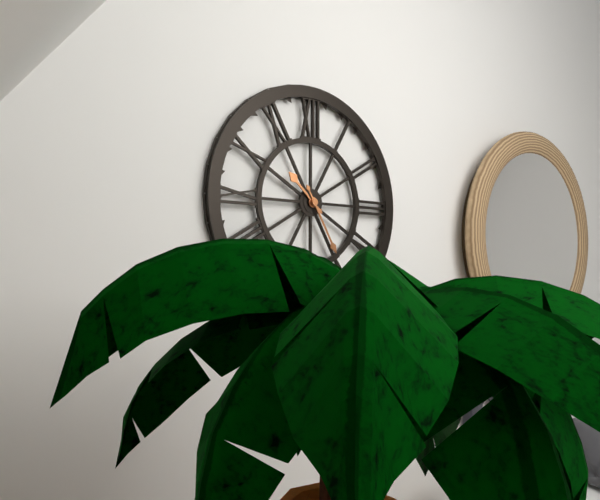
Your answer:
10 h 25 min
